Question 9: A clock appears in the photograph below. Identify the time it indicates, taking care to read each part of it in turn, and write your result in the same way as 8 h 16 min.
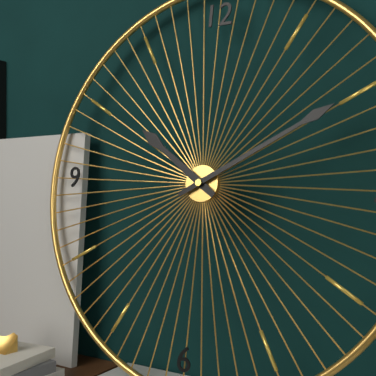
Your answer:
10 h 10 min
